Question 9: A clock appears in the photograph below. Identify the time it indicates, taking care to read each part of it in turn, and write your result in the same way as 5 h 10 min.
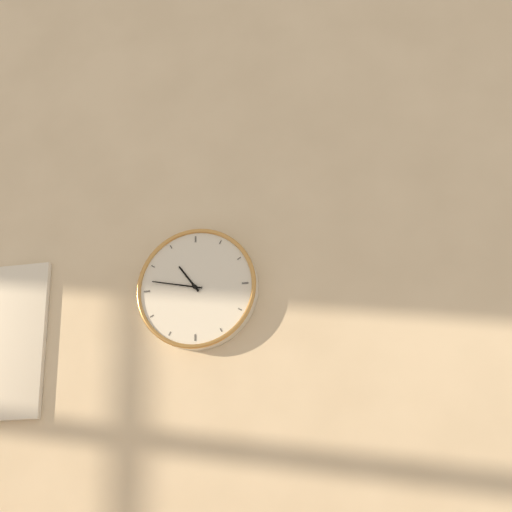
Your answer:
10 h 47 min
